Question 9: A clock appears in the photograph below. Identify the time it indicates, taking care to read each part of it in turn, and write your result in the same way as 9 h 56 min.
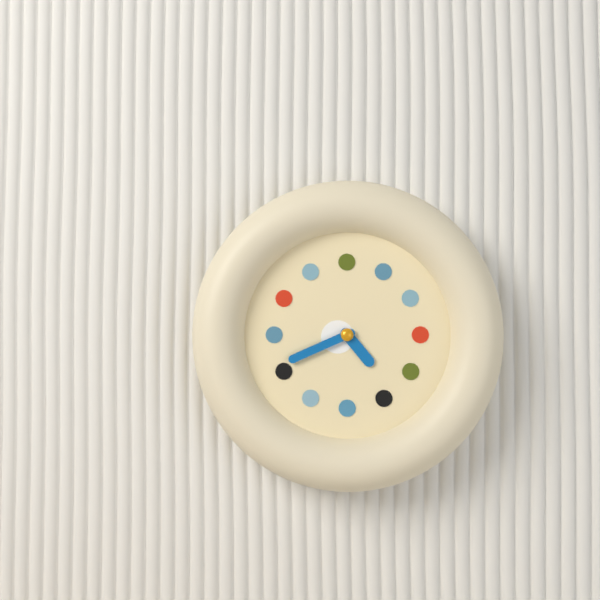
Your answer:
4 h 41 min
